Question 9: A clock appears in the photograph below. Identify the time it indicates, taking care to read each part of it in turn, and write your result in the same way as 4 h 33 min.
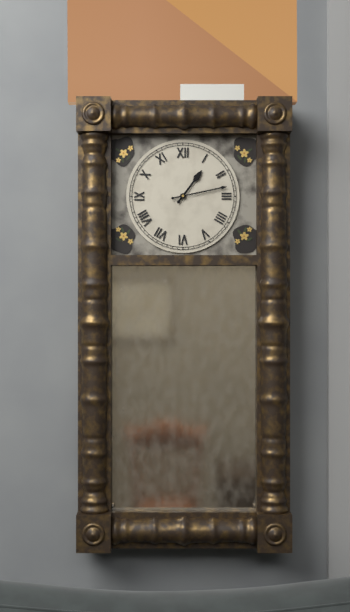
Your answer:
1 h 13 min
